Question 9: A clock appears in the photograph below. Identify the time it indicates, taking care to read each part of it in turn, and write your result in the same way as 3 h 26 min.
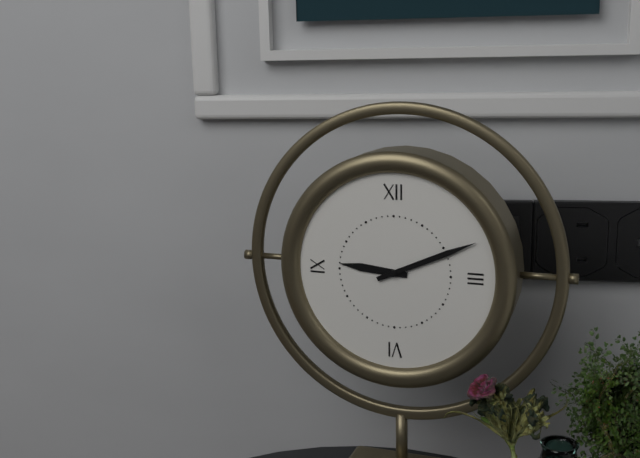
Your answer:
9 h 11 min
